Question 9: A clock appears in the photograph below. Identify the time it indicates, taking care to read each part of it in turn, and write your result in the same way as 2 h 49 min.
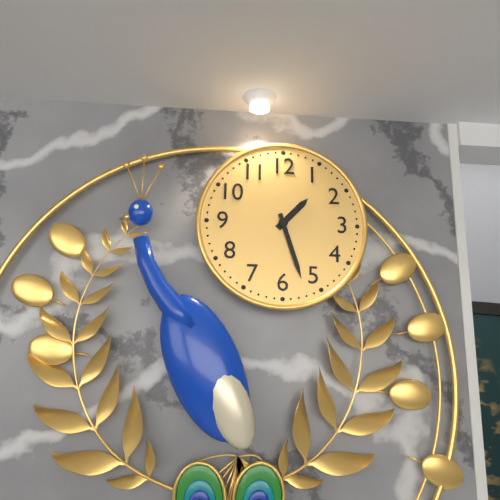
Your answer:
1 h 27 min
